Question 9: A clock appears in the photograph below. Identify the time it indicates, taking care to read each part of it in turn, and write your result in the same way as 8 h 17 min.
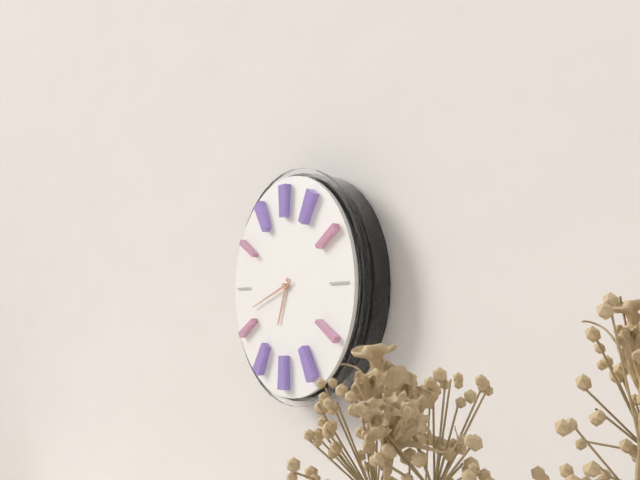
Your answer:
6 h 42 min
